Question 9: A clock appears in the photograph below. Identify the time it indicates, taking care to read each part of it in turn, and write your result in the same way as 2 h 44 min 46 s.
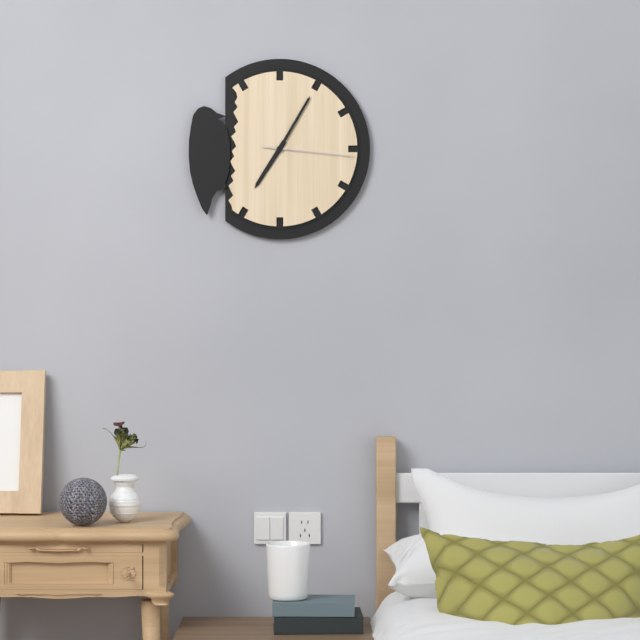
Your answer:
7 h 05 min 16 s
